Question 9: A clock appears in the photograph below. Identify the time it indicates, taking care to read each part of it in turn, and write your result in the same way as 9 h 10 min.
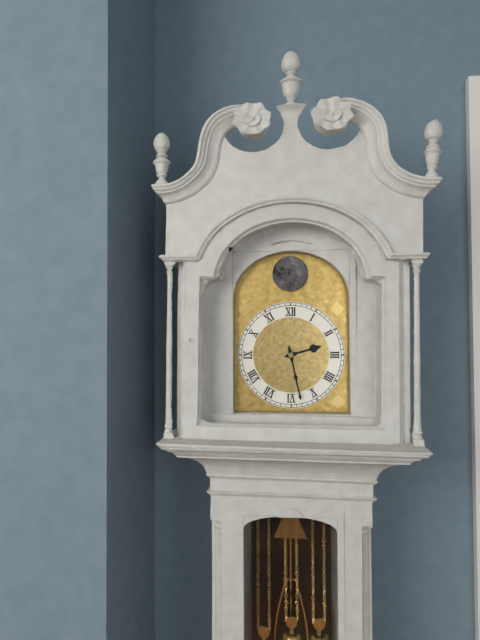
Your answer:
2 h 28 min
